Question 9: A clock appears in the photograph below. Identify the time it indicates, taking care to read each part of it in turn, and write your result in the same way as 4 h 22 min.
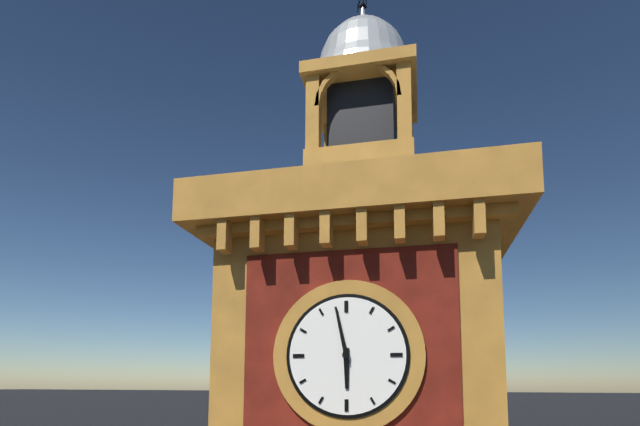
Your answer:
5 h 58 min
